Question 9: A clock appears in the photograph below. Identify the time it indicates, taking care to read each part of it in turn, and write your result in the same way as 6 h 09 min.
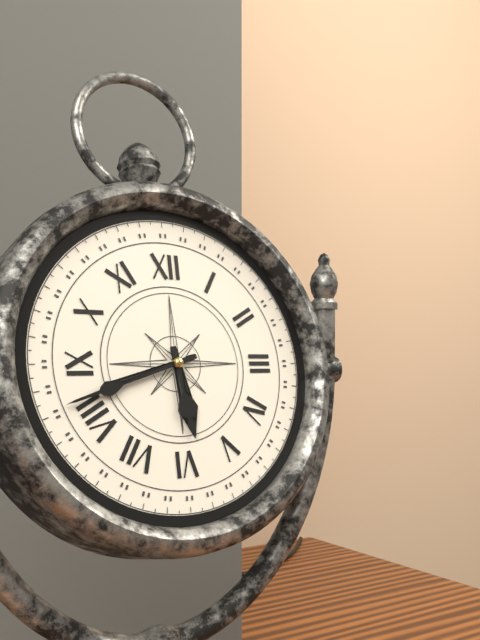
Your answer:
5 h 42 min
